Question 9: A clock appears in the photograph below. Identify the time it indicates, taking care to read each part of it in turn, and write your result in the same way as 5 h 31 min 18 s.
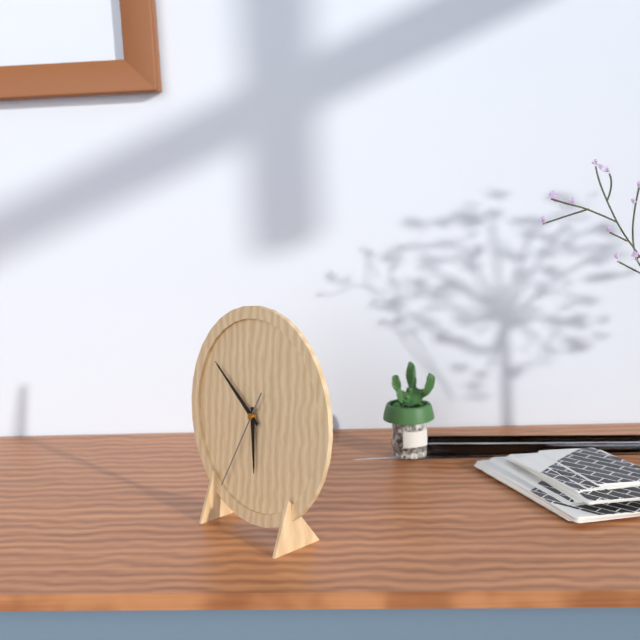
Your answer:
5 h 51 min 35 s
